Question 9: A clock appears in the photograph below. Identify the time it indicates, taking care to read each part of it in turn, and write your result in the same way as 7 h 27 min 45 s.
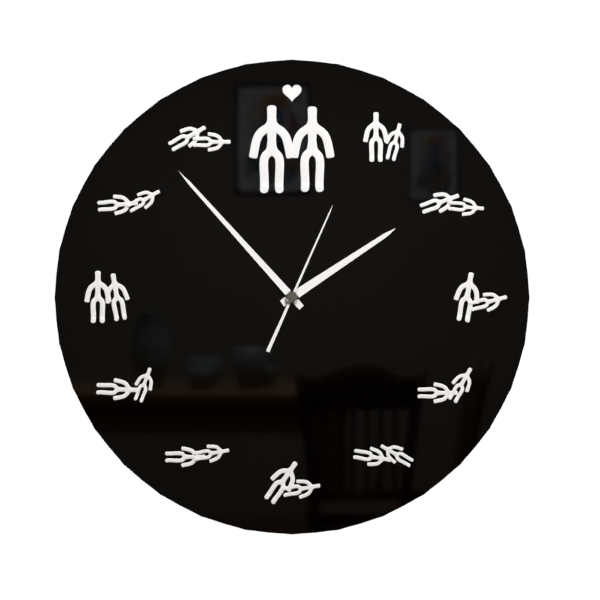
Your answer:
1 h 53 min 04 s
